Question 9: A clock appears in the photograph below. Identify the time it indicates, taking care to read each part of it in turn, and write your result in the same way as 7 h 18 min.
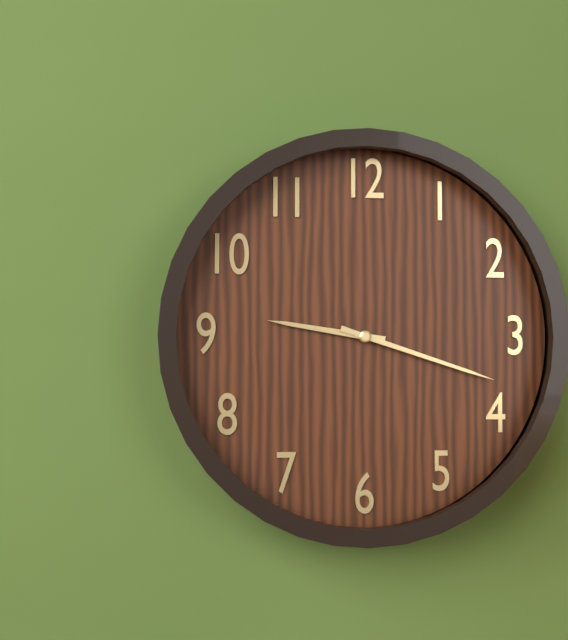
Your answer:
9 h 18 min
